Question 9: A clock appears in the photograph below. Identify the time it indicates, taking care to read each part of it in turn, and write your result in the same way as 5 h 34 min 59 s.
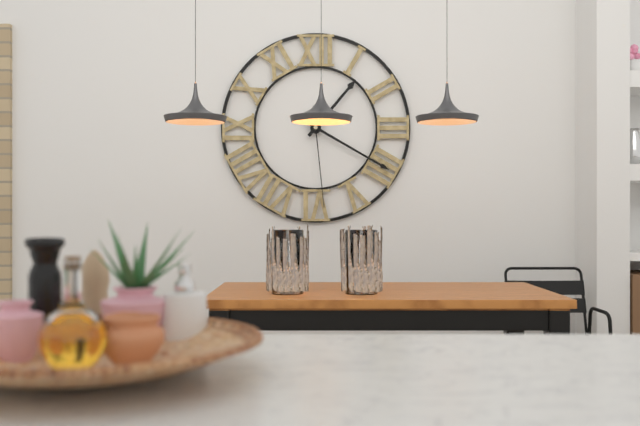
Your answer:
1 h 20 min 29 s
